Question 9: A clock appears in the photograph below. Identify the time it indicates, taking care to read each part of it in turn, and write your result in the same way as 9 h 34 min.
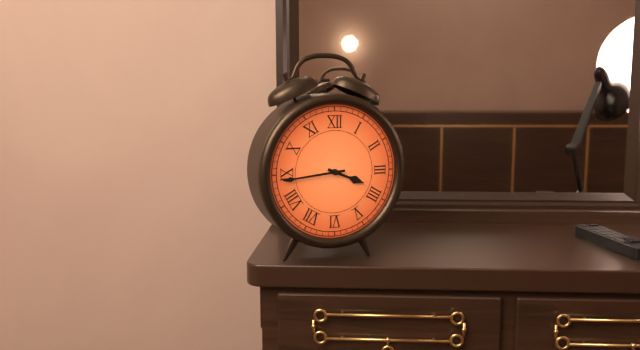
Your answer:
3 h 44 min
